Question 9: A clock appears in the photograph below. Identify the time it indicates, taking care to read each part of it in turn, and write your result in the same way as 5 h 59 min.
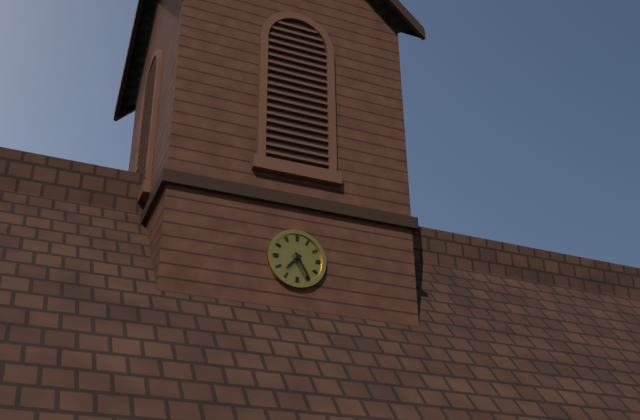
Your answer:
7 h 25 min
